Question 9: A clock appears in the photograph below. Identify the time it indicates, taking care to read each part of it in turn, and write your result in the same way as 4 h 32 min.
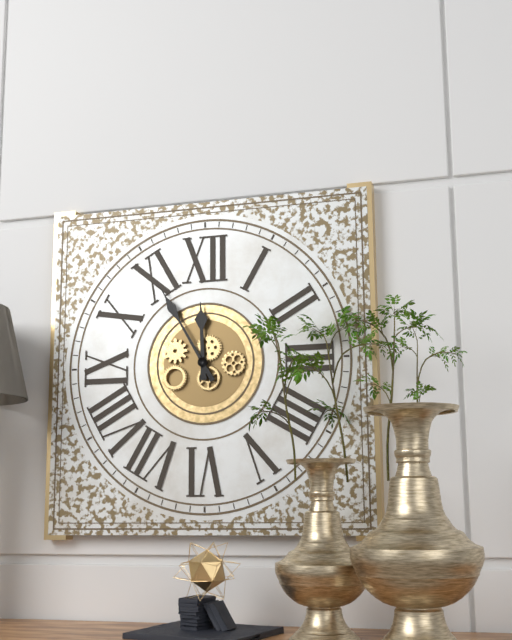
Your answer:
11 h 55 min
